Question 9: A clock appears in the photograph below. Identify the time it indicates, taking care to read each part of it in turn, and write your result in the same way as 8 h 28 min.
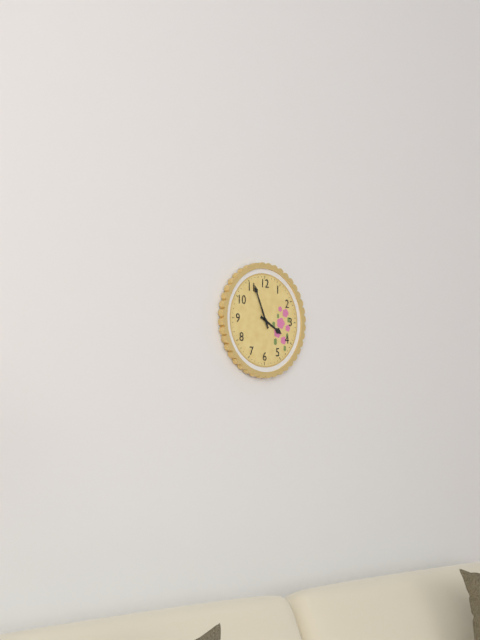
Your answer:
3 h 56 min
